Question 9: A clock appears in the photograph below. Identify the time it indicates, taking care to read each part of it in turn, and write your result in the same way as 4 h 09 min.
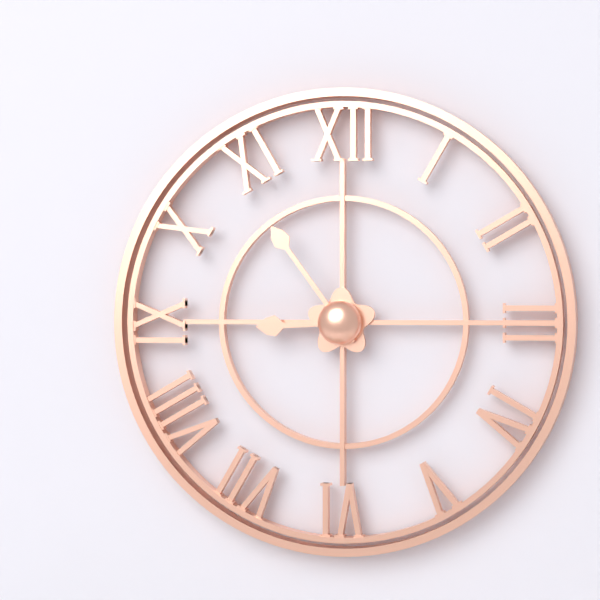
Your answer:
8 h 54 min
